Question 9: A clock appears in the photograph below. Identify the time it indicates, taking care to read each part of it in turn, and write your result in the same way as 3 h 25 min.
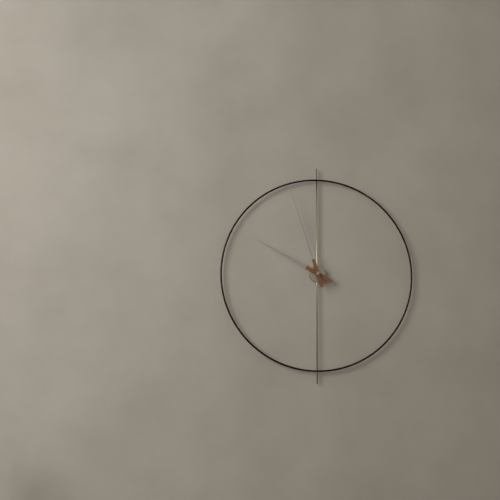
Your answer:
9 h 57 min
